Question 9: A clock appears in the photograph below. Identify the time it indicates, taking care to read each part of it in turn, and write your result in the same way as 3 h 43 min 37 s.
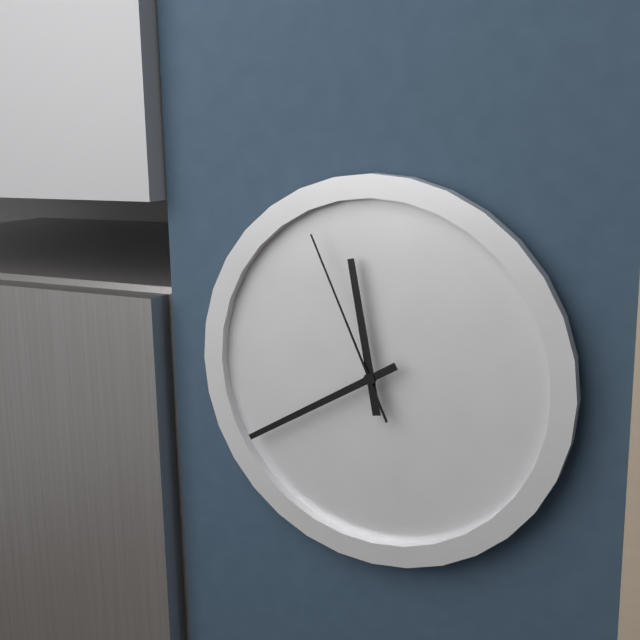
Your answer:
11 h 40 min 56 s
